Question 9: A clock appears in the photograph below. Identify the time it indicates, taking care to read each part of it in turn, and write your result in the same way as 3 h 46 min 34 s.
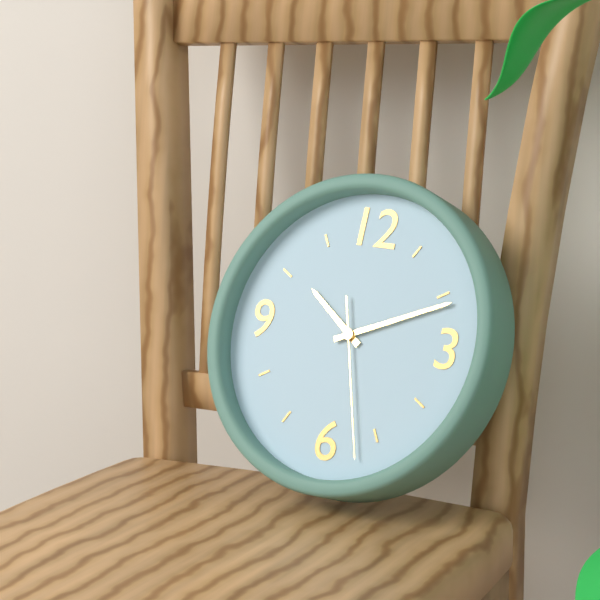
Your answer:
10 h 11 min 27 s
